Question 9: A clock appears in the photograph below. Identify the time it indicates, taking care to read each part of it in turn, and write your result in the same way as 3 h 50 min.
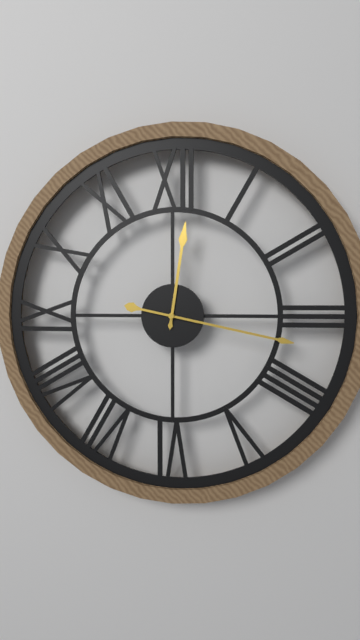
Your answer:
12 h 17 min
